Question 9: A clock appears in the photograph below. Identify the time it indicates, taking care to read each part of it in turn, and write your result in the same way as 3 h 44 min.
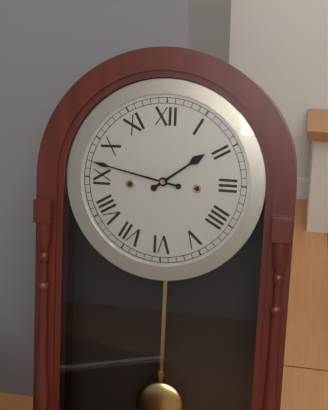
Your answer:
1 h 47 min
